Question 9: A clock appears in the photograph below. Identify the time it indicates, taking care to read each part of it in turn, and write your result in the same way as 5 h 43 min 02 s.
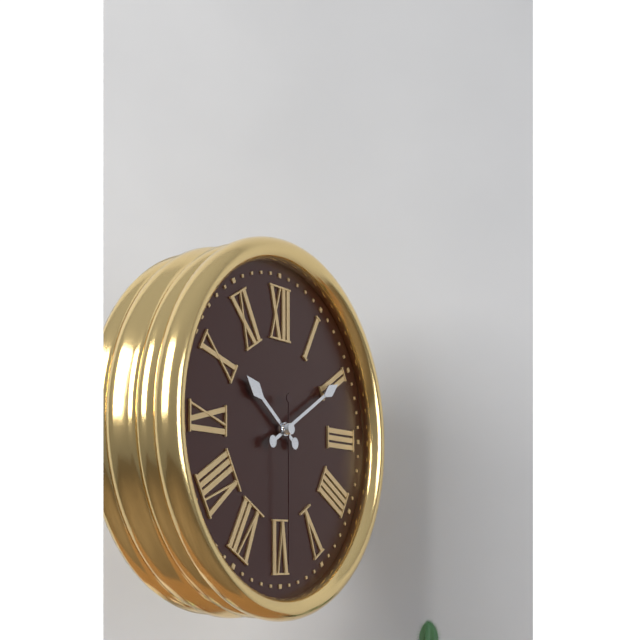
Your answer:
10 h 10 min 30 s
